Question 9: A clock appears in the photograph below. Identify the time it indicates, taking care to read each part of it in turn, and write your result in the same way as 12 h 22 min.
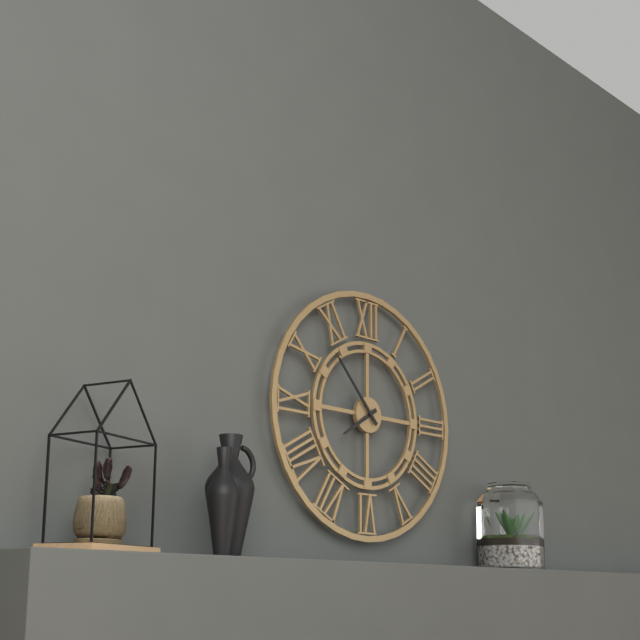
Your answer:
7 h 53 min
